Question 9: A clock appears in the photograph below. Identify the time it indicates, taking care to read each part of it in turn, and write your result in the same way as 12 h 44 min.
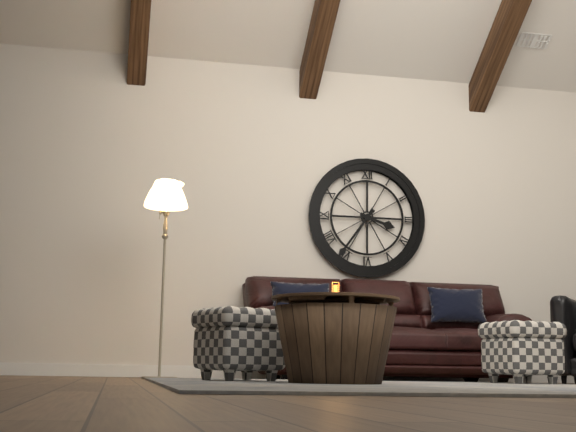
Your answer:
3 h 36 min
